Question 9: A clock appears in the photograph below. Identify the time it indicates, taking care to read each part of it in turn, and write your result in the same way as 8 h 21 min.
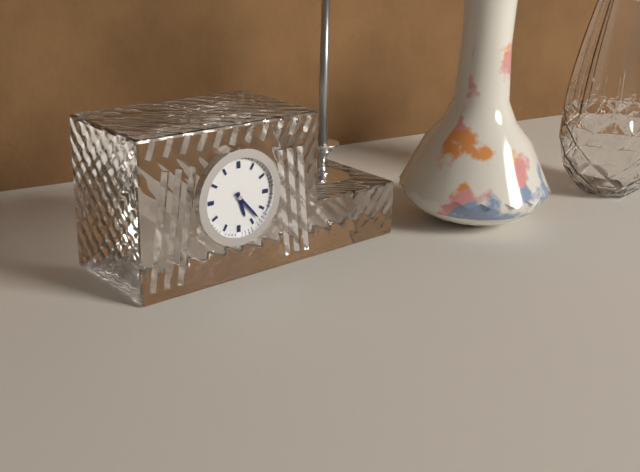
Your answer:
5 h 23 min
